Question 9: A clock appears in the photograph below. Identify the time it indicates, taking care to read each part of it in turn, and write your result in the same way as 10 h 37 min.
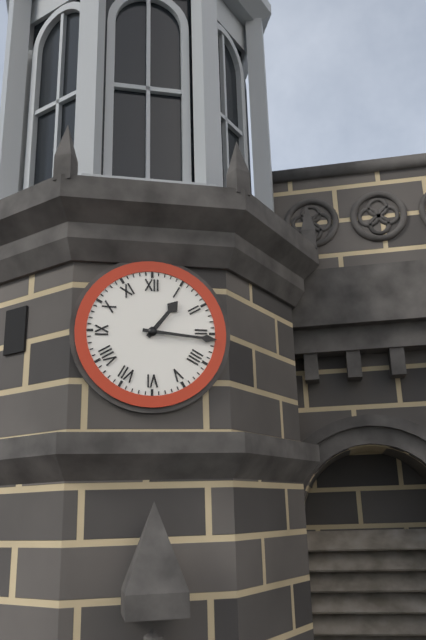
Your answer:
1 h 16 min
